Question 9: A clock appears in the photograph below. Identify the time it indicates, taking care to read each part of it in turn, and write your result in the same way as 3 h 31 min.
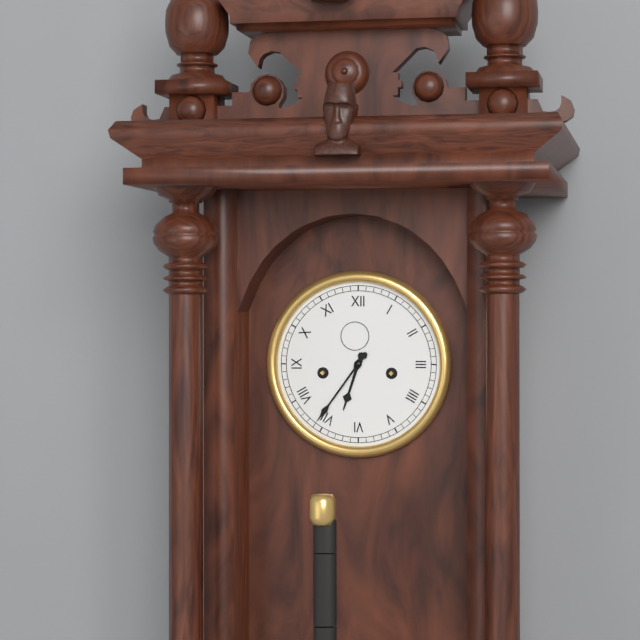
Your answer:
6 h 36 min
